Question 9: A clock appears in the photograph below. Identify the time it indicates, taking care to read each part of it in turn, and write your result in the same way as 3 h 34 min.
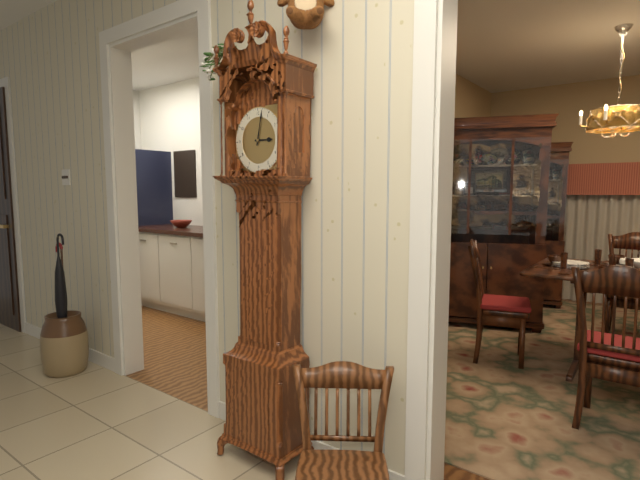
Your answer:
3 h 02 min
